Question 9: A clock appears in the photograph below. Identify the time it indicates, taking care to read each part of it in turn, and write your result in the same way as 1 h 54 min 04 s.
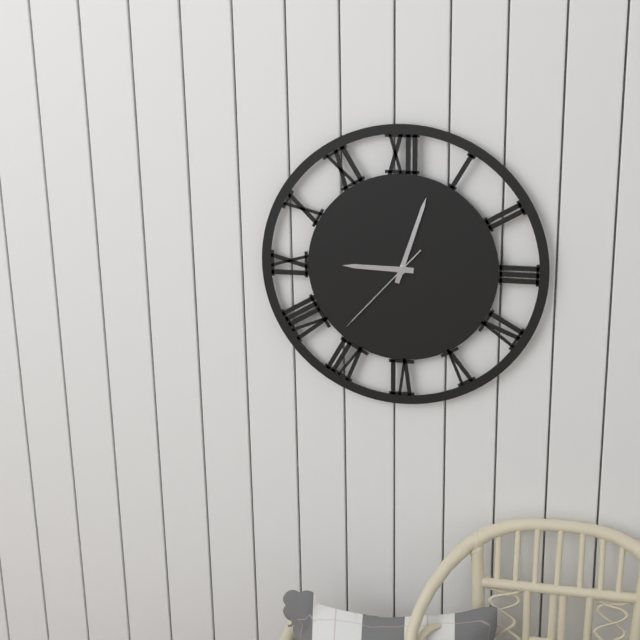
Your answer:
9 h 03 min 37 s
